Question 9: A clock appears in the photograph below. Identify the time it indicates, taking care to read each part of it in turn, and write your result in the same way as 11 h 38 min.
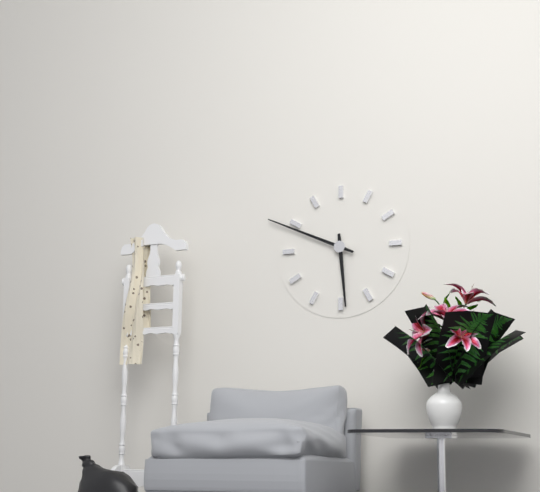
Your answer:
5 h 49 min
